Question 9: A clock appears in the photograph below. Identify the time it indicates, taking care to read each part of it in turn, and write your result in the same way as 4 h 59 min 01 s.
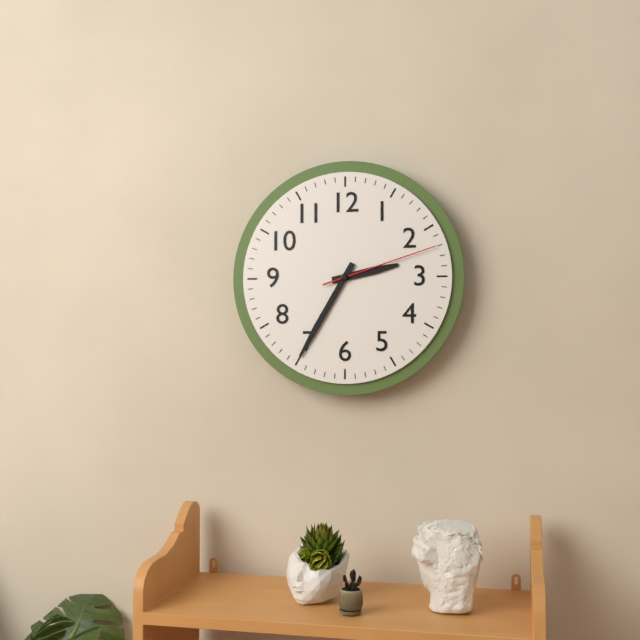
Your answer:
2 h 35 min 12 s
